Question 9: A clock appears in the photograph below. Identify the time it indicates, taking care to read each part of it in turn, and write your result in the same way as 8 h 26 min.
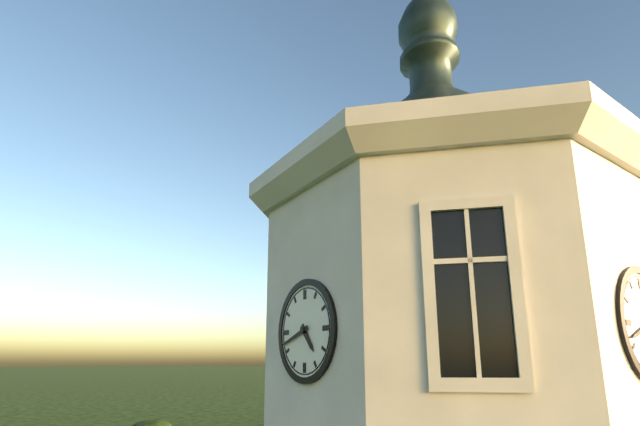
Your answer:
4 h 42 min
